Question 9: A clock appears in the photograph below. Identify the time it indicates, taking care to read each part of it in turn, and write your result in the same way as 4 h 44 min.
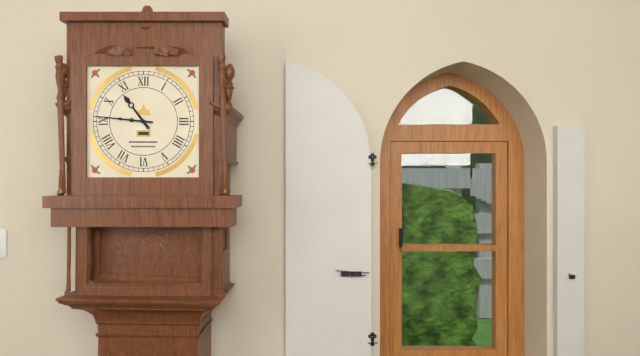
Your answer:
10 h 46 min
